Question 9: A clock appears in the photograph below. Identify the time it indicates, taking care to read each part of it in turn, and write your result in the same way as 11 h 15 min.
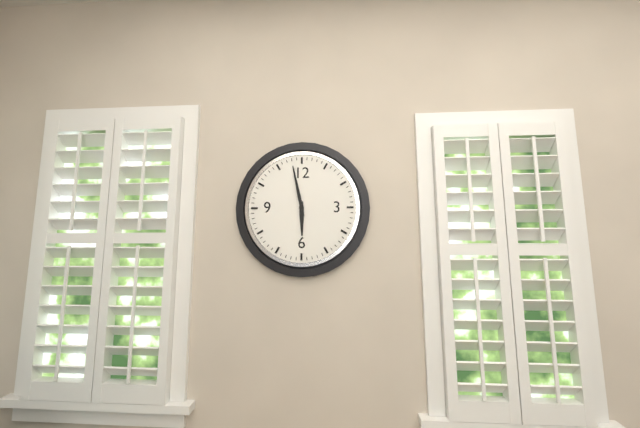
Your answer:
5 h 58 min
